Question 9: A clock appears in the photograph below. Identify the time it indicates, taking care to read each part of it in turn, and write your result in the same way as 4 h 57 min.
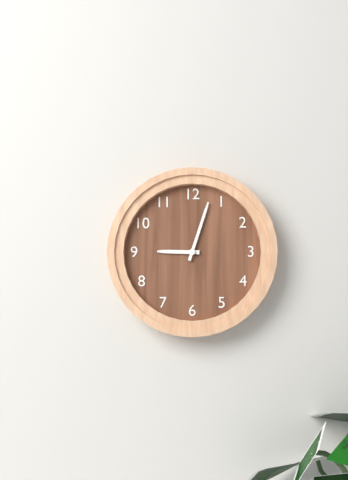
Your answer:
9 h 03 min
